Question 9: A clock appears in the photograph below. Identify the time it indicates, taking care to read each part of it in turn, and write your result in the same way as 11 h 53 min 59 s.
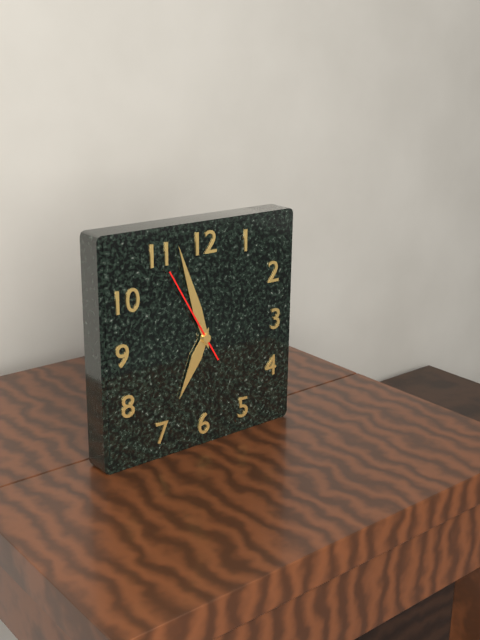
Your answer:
6 h 57 min 55 s
